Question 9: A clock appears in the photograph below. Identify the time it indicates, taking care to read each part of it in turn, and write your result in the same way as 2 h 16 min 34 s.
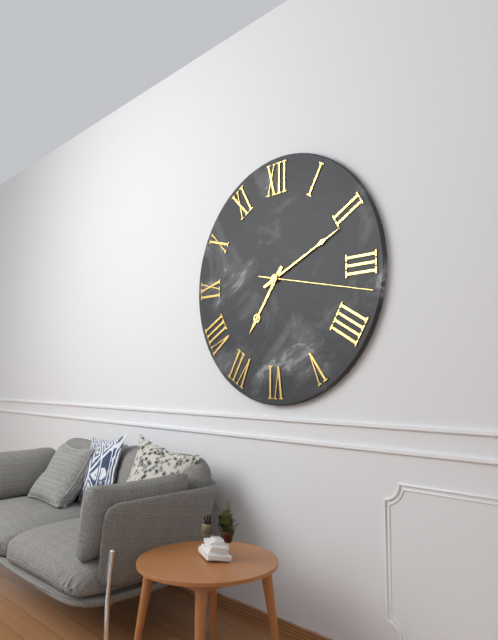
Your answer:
7 h 11 min 17 s
